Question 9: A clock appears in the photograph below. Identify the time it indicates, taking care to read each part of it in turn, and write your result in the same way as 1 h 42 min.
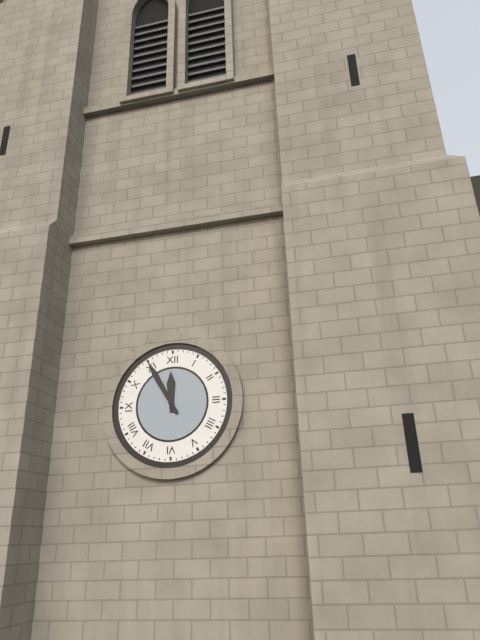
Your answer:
11 h 55 min
